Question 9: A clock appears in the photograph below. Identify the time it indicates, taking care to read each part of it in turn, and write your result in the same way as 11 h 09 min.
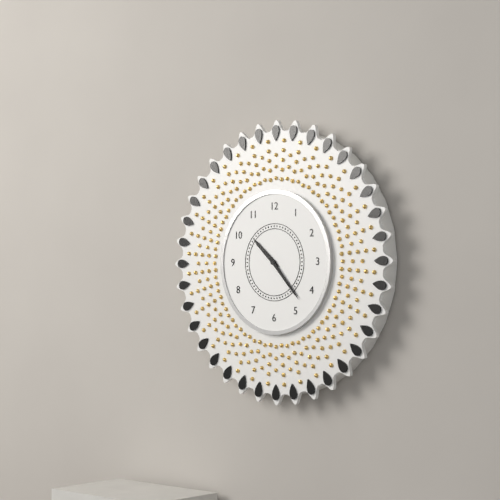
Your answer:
10 h 23 min
